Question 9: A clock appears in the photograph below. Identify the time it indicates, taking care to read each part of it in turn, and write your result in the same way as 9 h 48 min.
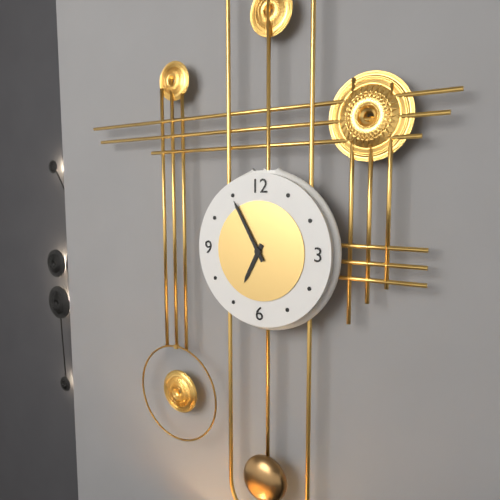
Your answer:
6 h 55 min
